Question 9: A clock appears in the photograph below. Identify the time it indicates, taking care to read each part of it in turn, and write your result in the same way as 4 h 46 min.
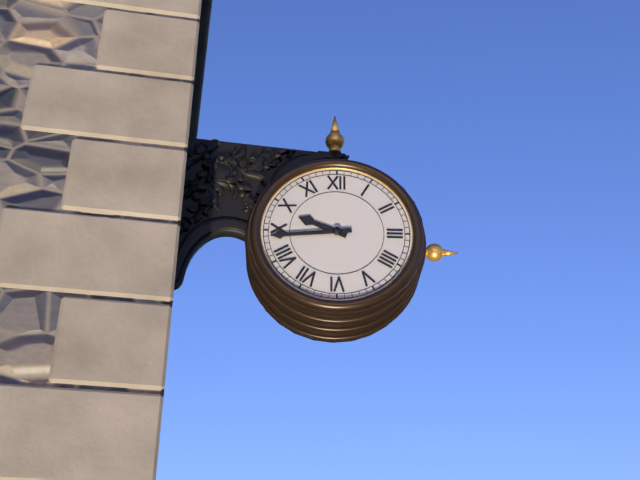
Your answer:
9 h 44 min
